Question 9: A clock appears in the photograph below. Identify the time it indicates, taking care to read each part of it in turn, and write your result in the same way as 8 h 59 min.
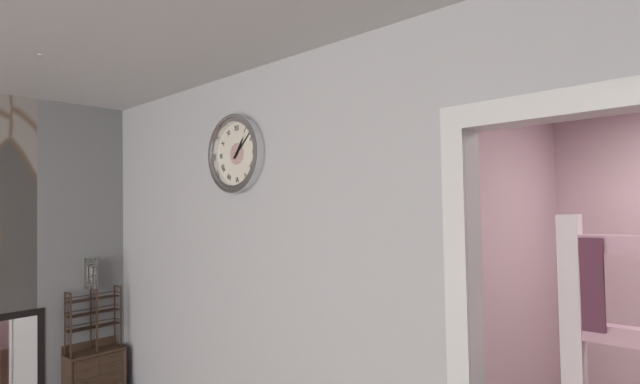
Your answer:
1 h 08 min
